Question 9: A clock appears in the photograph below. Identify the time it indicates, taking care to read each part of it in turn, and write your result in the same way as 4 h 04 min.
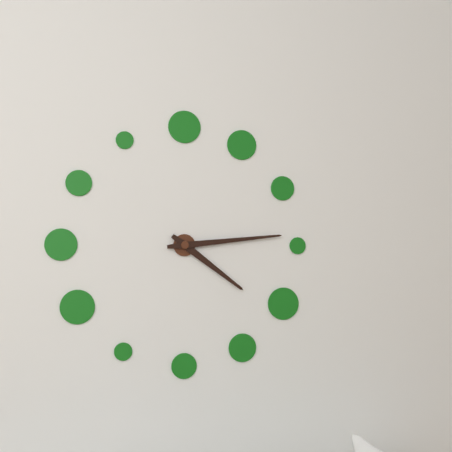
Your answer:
4 h 14 min
